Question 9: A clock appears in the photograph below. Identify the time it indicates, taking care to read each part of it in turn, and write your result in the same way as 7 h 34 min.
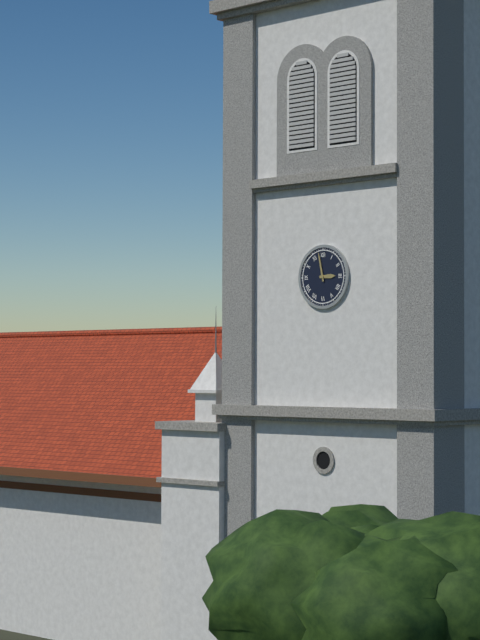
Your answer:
2 h 58 min
